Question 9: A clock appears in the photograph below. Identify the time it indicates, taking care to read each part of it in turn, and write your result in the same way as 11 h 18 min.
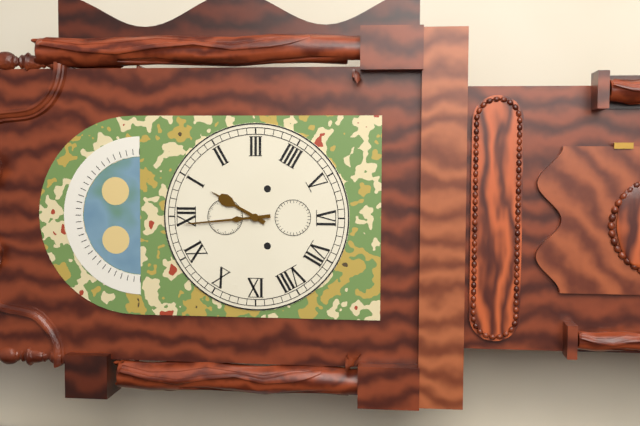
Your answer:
12 h 59 min
